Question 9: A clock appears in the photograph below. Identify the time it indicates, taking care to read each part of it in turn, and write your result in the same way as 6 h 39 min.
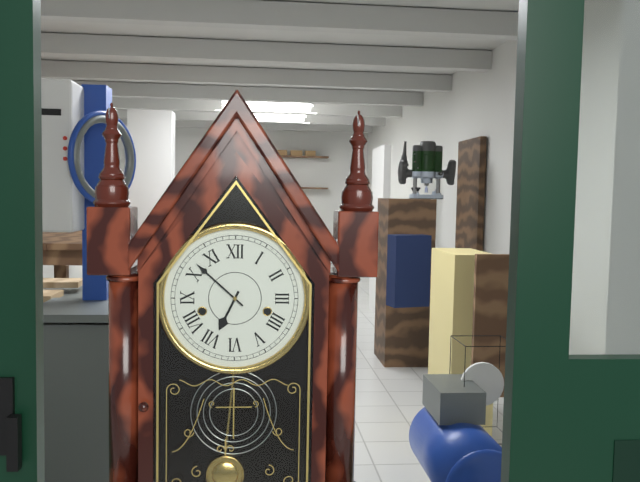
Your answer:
6 h 52 min
